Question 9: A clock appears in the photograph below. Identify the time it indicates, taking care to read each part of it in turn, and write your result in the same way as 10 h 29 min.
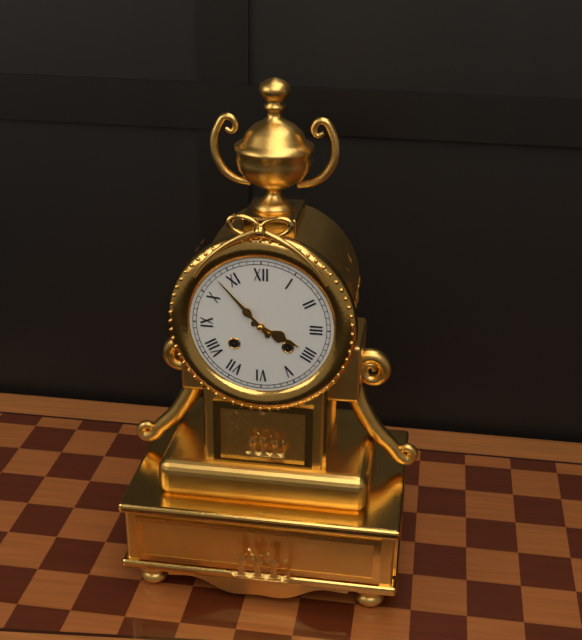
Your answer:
3 h 53 min
